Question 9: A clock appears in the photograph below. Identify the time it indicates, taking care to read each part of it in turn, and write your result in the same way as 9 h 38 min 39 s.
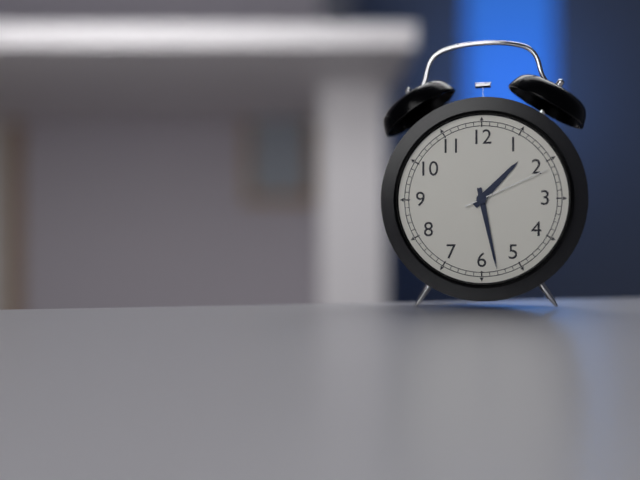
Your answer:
1 h 28 min 11 s
